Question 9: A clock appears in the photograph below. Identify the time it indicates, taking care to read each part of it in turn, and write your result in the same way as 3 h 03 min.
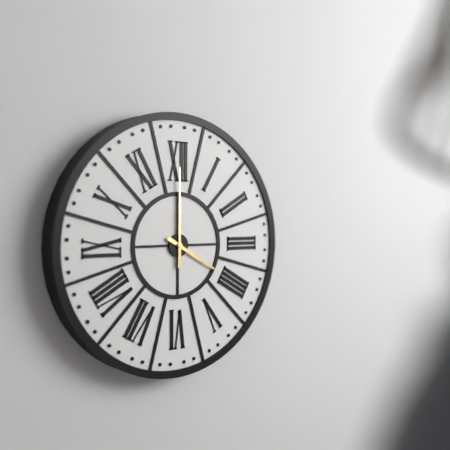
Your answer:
4 h 00 min
